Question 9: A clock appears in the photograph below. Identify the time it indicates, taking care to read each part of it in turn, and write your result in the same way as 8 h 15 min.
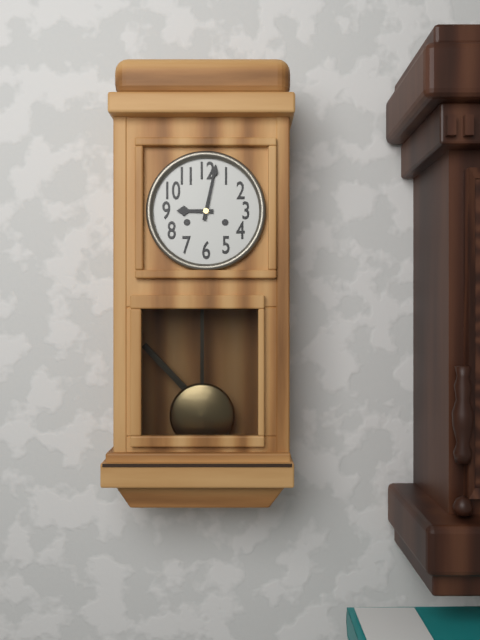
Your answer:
9 h 02 min
